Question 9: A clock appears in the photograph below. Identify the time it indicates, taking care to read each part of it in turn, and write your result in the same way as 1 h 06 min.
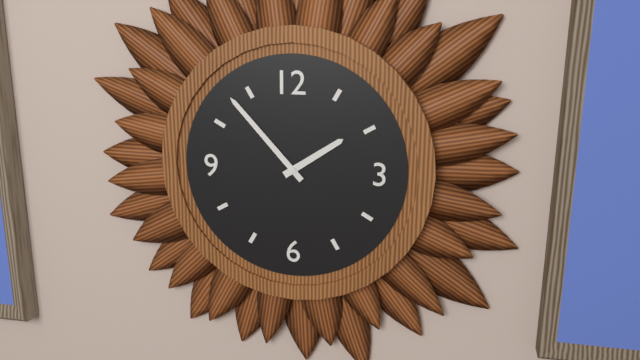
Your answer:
1 h 53 min
